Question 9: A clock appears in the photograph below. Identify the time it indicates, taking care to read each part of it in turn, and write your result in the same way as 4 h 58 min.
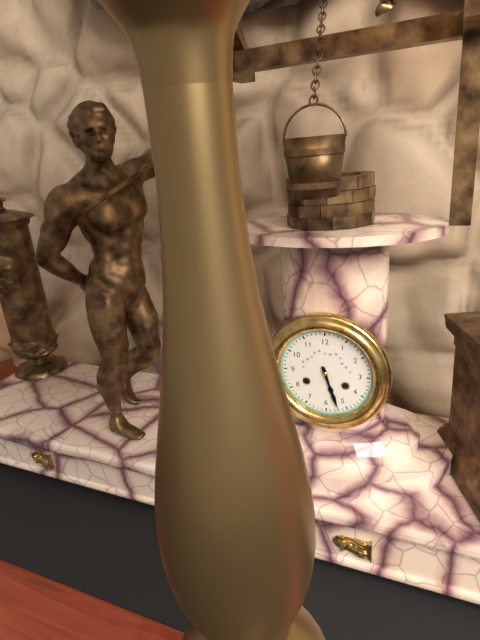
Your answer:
5 h 27 min
